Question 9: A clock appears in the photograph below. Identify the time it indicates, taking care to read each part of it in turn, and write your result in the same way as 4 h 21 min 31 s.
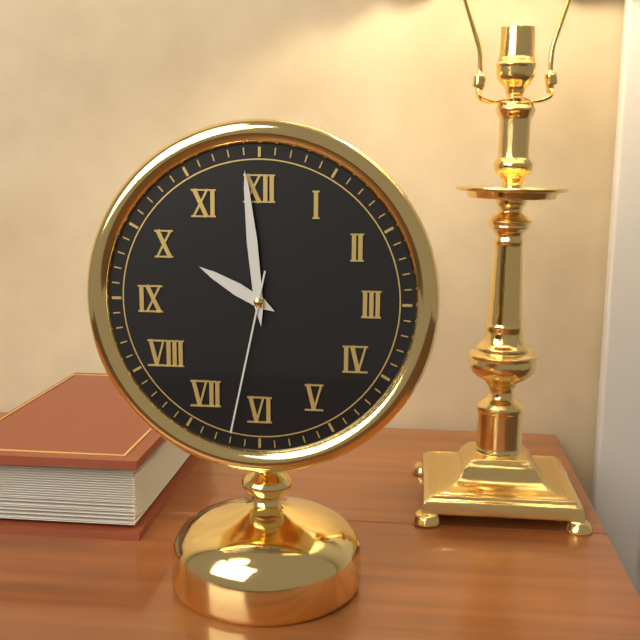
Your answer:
9 h 59 min 32 s
